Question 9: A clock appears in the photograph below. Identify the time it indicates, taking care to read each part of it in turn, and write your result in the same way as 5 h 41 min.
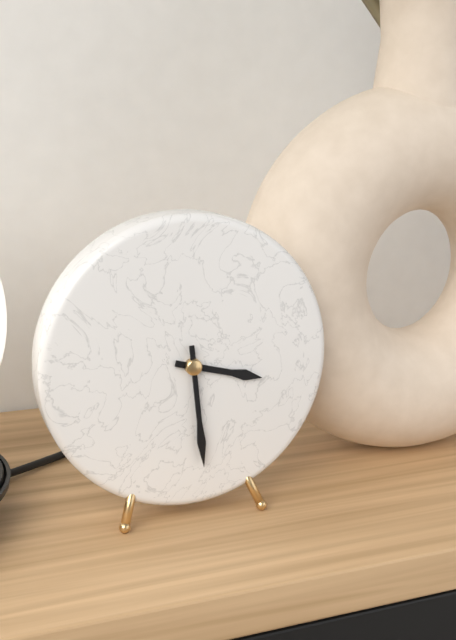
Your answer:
3 h 29 min
